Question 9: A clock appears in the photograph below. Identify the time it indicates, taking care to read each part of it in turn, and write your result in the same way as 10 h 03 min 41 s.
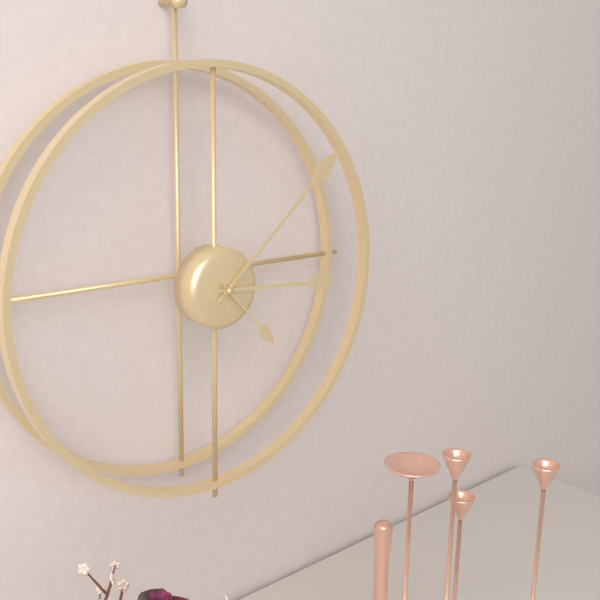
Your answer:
3 h 08 min 23 s
